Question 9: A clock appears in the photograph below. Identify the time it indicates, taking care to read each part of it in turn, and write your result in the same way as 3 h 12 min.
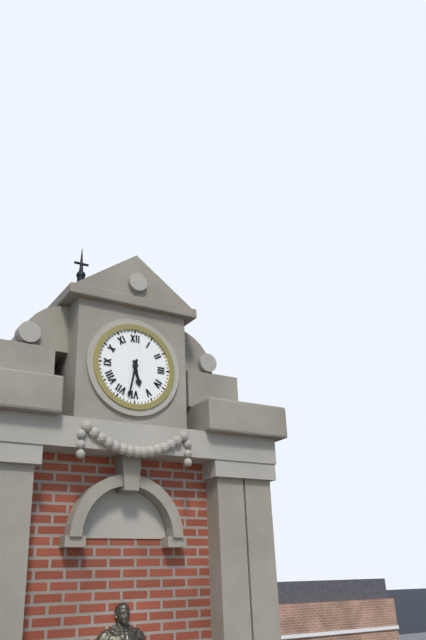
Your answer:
5 h 32 min
